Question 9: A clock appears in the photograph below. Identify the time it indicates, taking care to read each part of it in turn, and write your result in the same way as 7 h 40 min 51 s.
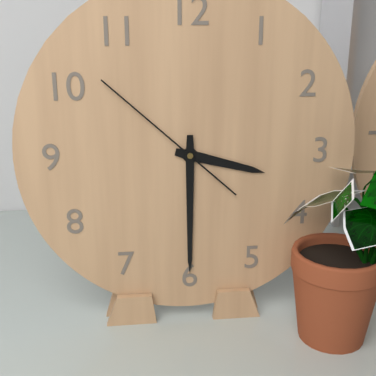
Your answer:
3 h 30 min 52 s
